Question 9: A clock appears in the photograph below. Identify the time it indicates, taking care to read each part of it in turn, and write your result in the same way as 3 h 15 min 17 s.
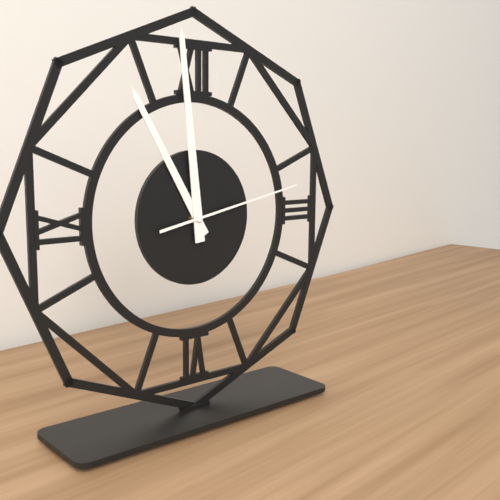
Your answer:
10 h 59 min 13 s
